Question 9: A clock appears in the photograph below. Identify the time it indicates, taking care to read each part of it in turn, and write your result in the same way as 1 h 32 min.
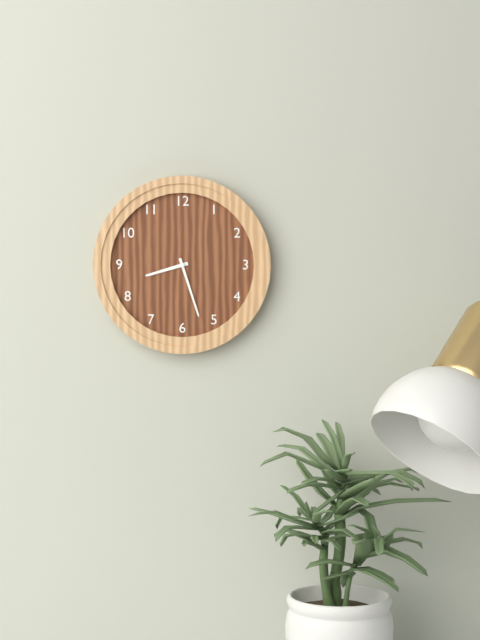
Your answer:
8 h 27 min
